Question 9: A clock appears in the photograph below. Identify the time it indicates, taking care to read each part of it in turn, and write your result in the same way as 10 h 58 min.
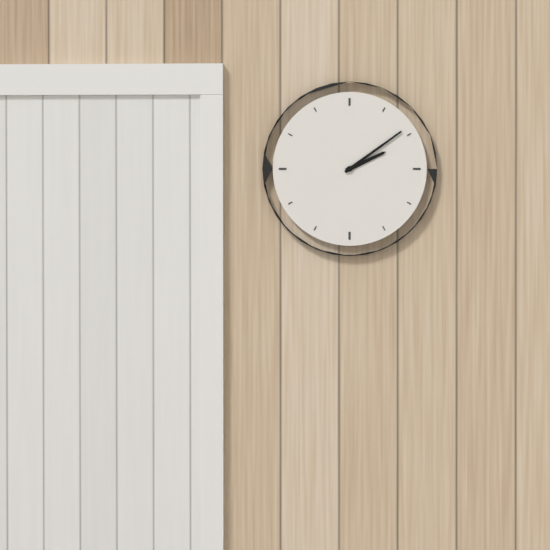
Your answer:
2 h 09 min
